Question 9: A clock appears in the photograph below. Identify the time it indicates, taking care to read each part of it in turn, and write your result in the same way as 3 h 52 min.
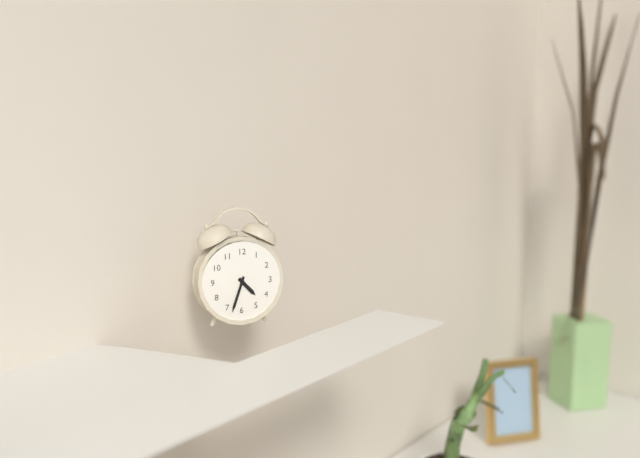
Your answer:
4 h 33 min
